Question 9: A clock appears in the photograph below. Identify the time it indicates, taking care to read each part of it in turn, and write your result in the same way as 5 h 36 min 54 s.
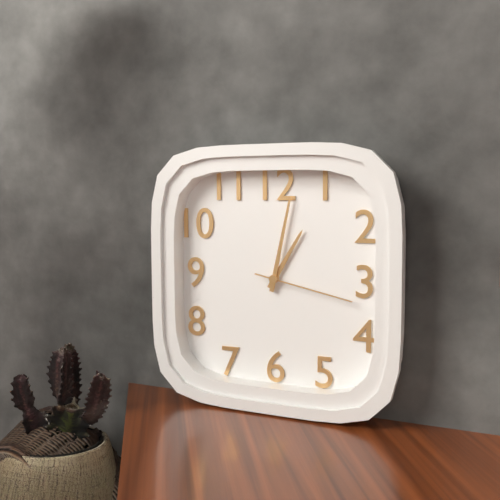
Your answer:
1 h 02 min 17 s
